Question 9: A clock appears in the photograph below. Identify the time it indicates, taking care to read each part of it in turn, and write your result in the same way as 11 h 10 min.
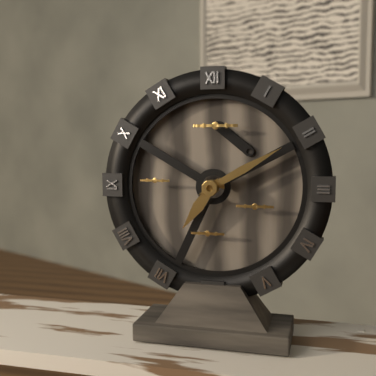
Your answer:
7 h 10 min
